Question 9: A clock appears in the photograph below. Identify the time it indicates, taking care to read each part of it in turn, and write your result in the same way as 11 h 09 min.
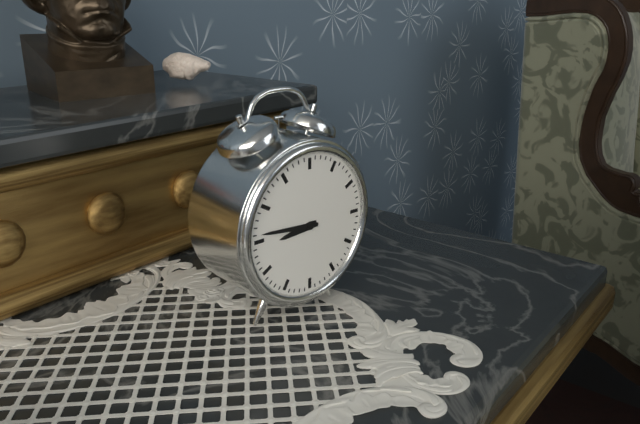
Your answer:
8 h 46 min
